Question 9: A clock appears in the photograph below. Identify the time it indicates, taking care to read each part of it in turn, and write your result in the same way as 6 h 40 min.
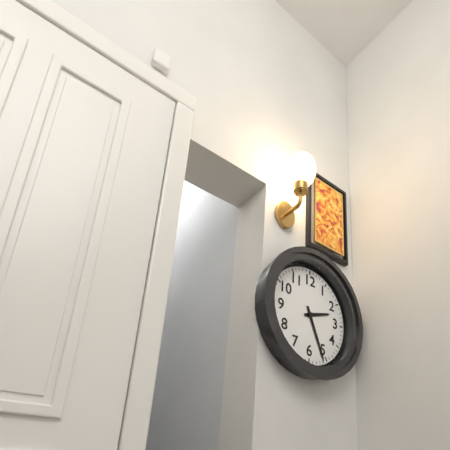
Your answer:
2 h 26 min
